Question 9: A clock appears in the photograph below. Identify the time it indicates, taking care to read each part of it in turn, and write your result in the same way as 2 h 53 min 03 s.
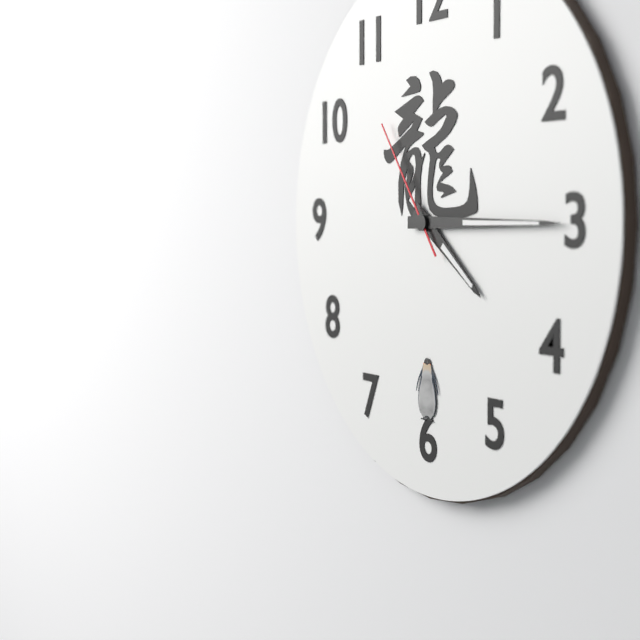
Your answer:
4 h 15 min 54 s
